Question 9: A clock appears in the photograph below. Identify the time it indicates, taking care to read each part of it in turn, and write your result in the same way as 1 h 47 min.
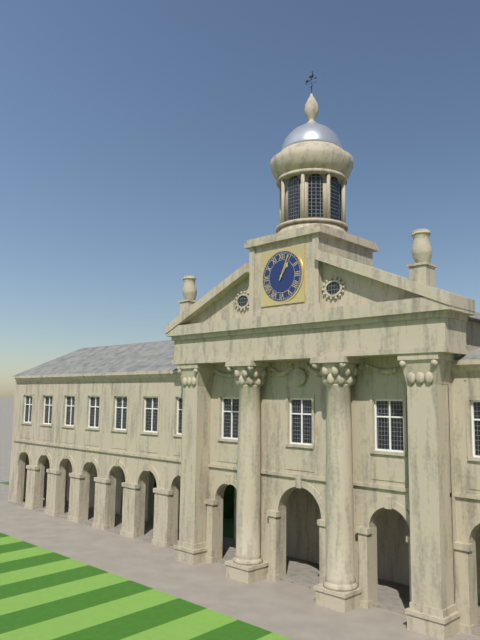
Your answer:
1 h 04 min
